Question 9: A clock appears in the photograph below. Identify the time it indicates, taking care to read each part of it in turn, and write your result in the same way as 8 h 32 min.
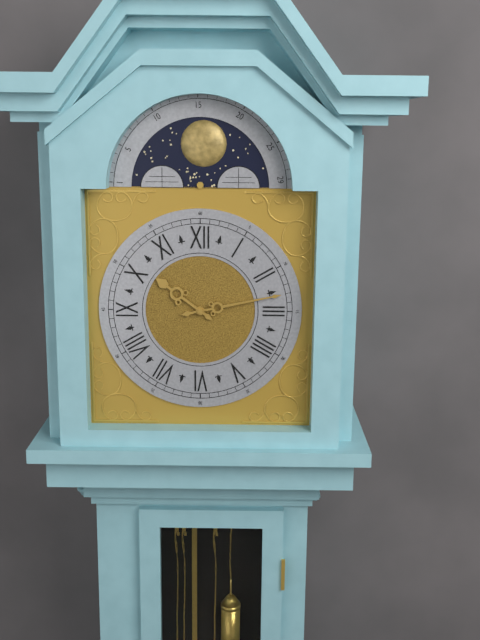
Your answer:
10 h 13 min
